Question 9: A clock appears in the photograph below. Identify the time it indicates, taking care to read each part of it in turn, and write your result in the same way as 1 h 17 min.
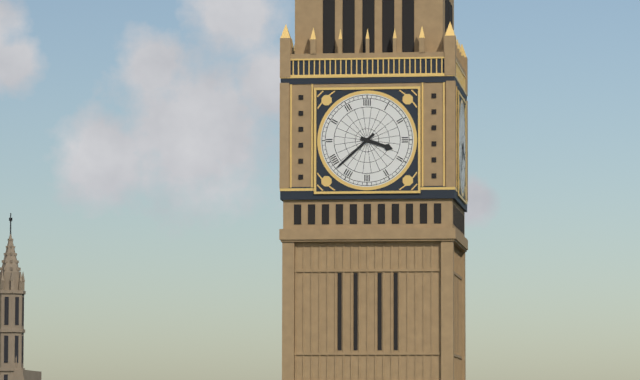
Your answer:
3 h 38 min
